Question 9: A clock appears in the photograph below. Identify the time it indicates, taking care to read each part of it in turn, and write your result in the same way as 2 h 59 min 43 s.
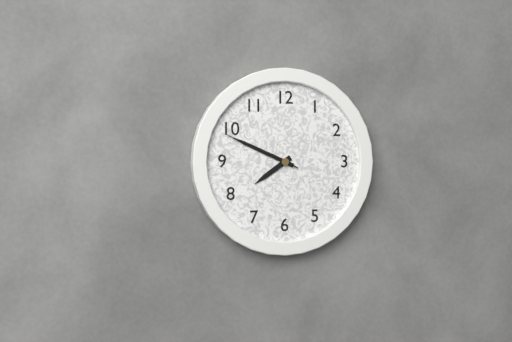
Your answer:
7 h 49 min 49 s
